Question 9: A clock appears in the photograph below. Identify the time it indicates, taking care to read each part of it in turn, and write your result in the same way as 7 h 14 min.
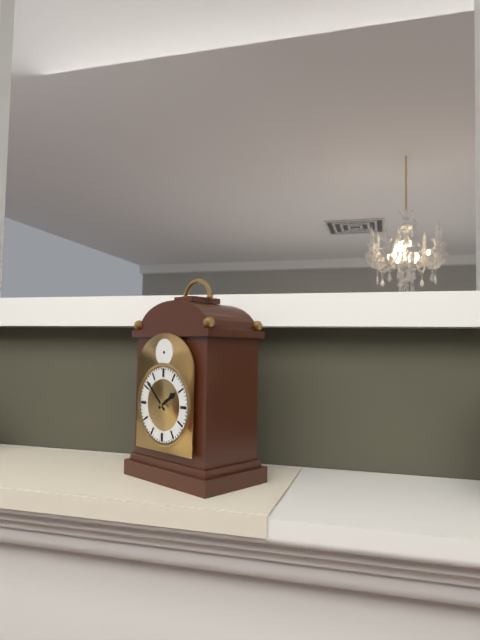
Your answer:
1 h 52 min
